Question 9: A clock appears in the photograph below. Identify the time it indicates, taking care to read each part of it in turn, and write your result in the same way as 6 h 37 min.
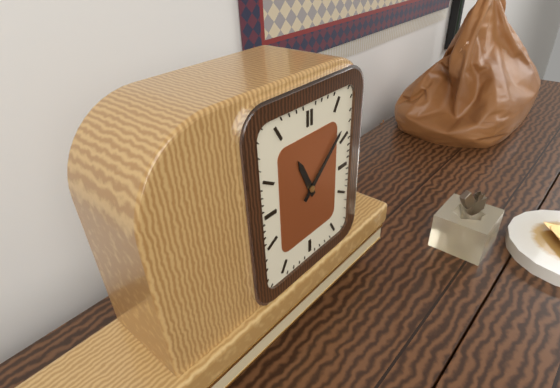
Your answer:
11 h 08 min
